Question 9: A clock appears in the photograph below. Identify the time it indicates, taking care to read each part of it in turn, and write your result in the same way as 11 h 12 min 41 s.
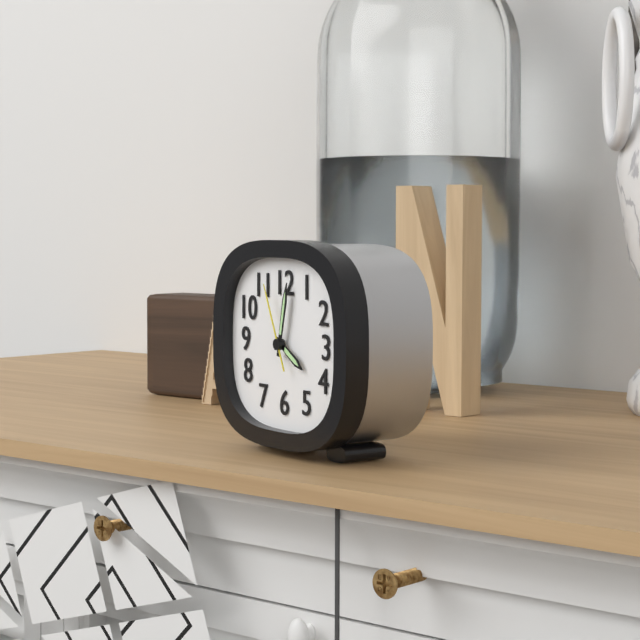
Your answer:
4 h 02 min 56 s
